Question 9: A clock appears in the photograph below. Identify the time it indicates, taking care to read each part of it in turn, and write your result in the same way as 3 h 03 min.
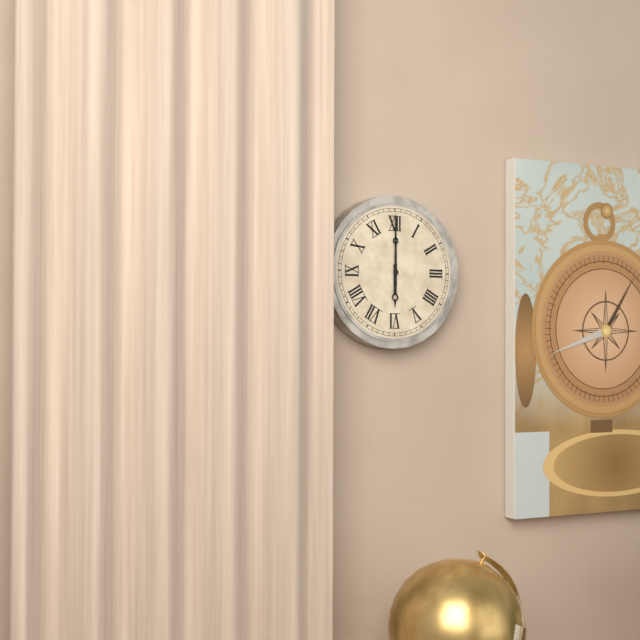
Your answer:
6 h 00 min
